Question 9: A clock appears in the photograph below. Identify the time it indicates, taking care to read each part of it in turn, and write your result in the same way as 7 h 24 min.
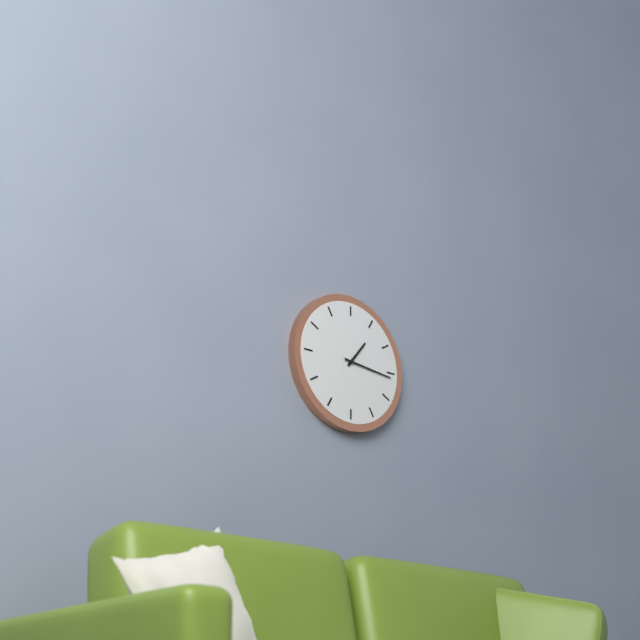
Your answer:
1 h 16 min
